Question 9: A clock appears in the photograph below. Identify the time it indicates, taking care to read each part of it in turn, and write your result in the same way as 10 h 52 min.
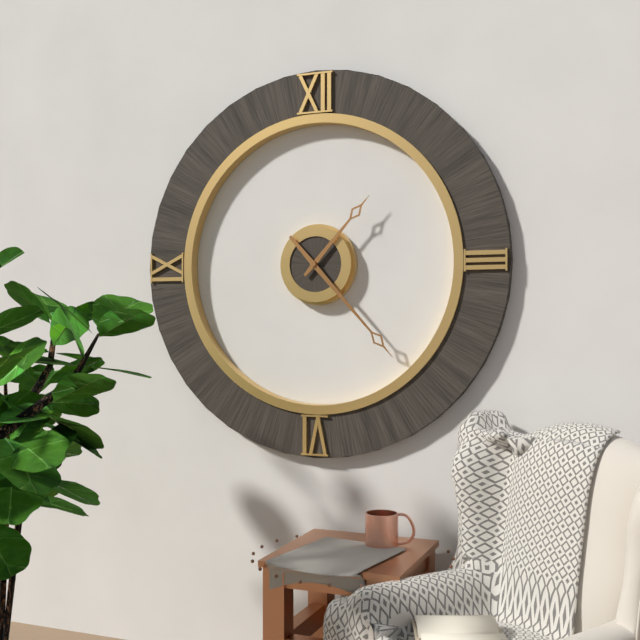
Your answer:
1 h 23 min
